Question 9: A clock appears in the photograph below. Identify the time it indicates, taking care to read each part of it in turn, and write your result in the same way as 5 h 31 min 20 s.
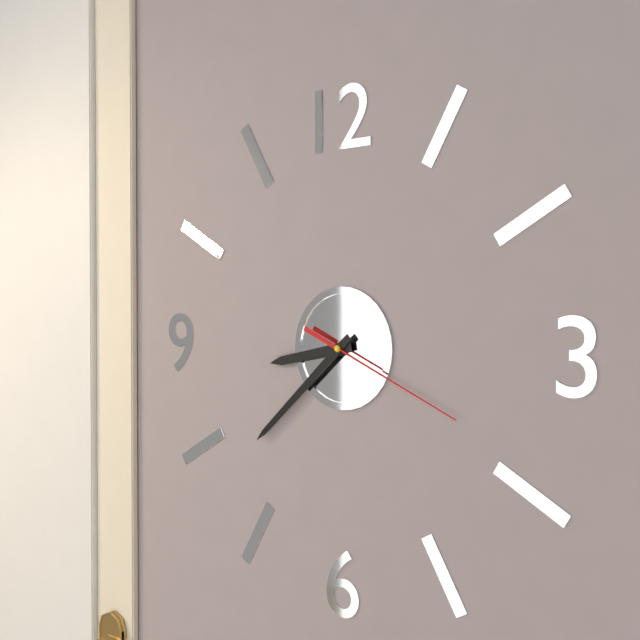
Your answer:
8 h 38 min 19 s
